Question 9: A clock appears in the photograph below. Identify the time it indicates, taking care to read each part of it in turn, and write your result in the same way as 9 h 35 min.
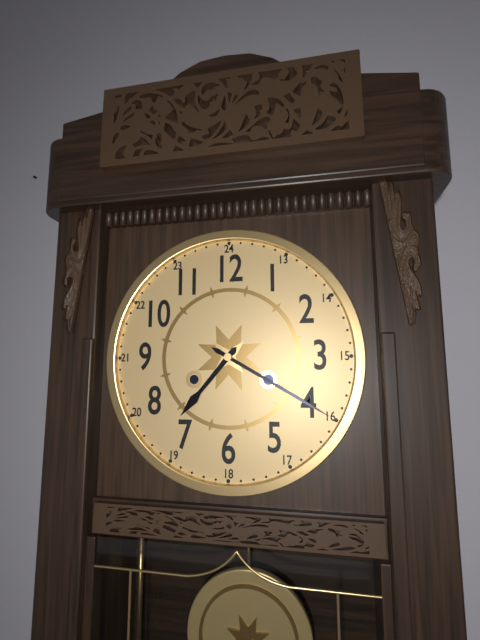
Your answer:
7 h 20 min
